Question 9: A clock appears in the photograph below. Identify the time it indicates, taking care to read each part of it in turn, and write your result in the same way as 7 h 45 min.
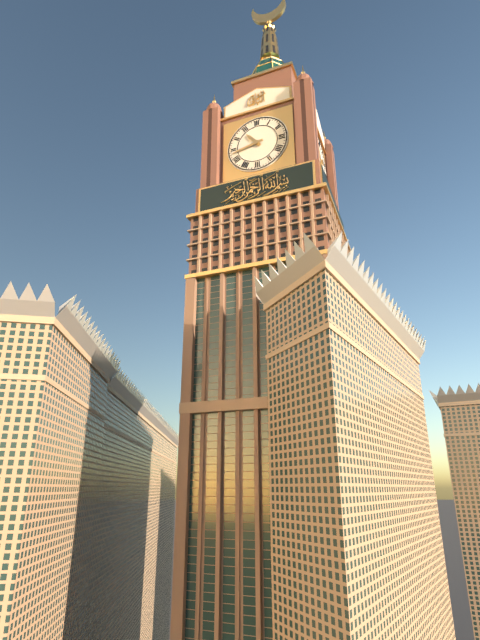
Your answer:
10 h 43 min
